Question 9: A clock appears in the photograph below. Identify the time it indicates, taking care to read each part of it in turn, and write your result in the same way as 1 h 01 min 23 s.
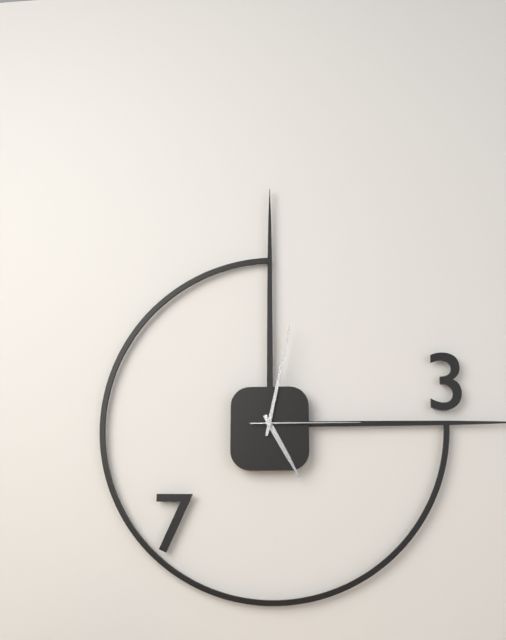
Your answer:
5 h 02 min 15 s
